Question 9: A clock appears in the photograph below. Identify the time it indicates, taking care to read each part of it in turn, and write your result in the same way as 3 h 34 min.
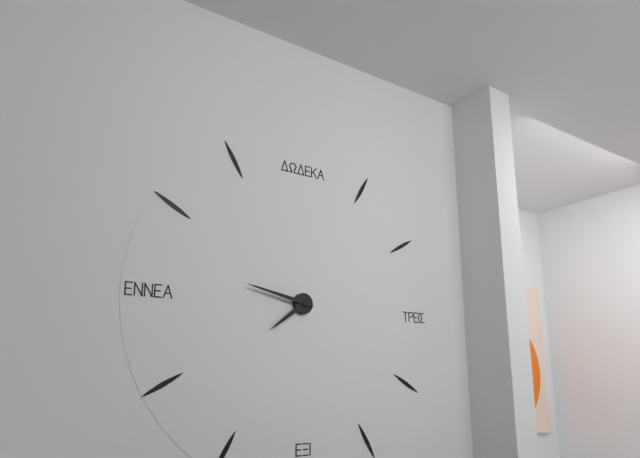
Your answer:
7 h 47 min
